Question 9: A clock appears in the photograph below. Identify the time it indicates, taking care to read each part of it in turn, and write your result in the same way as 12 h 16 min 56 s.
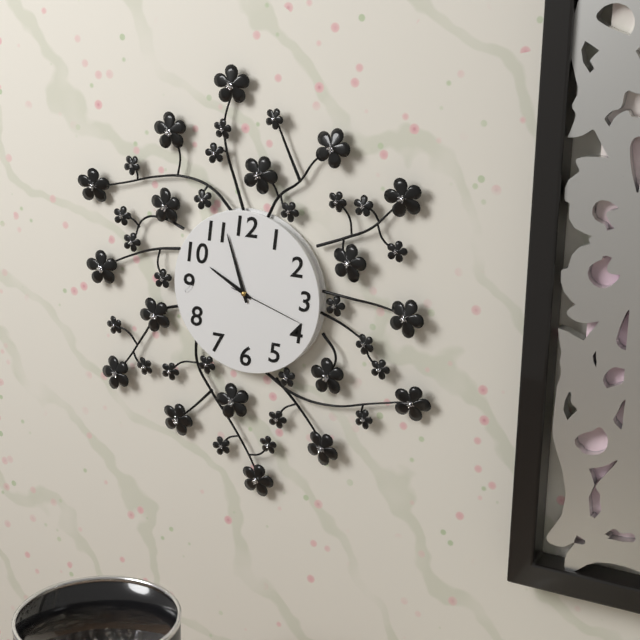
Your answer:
9 h 57 min 18 s
